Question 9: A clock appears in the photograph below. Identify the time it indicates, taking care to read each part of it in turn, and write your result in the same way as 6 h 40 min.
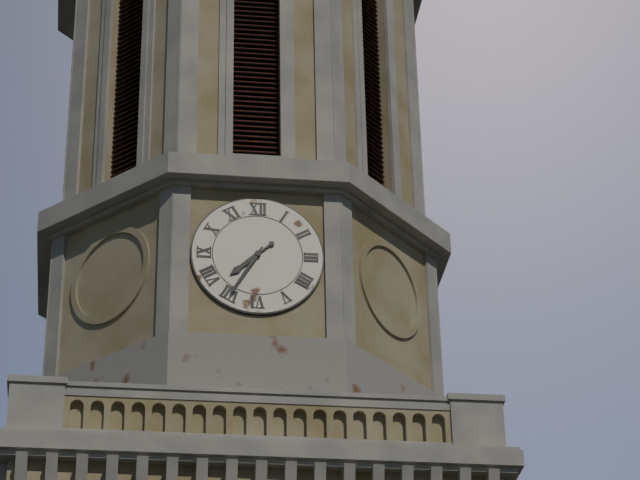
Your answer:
7 h 35 min
